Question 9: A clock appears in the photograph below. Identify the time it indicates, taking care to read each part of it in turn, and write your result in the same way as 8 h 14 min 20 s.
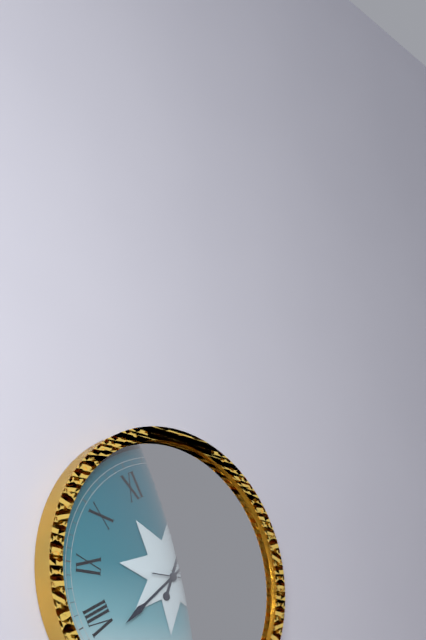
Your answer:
12 h 38 min 15 s
